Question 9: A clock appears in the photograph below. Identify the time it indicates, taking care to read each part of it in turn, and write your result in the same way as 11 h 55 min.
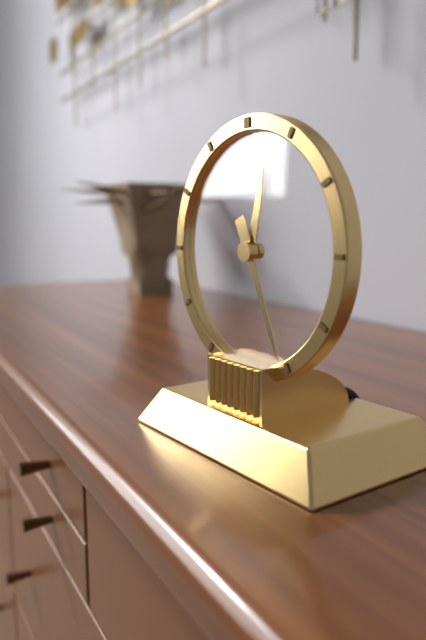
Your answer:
12 h 26 min
